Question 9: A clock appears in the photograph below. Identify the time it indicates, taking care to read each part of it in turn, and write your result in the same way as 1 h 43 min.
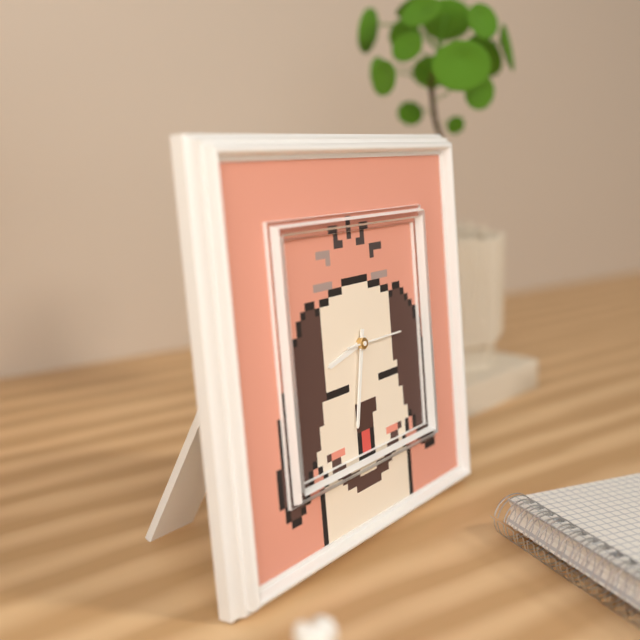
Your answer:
8 h 32 min
